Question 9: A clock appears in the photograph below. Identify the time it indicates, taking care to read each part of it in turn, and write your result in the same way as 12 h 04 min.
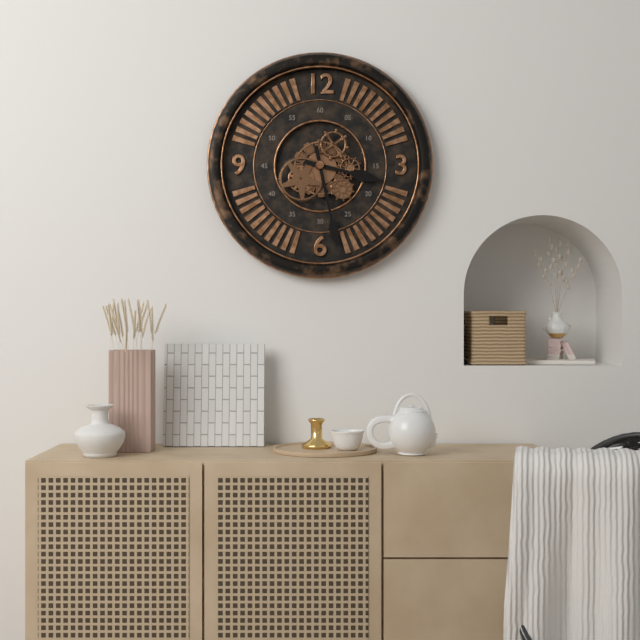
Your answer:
3 h 28 min
